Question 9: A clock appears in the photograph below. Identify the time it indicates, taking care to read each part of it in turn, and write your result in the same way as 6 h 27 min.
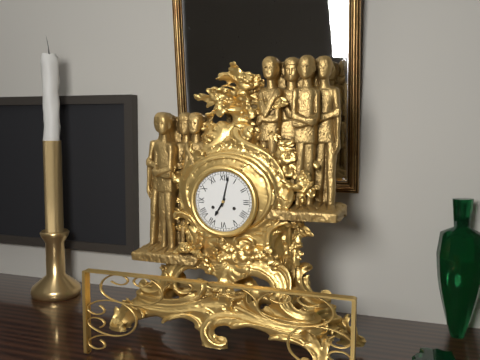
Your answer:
7 h 02 min
